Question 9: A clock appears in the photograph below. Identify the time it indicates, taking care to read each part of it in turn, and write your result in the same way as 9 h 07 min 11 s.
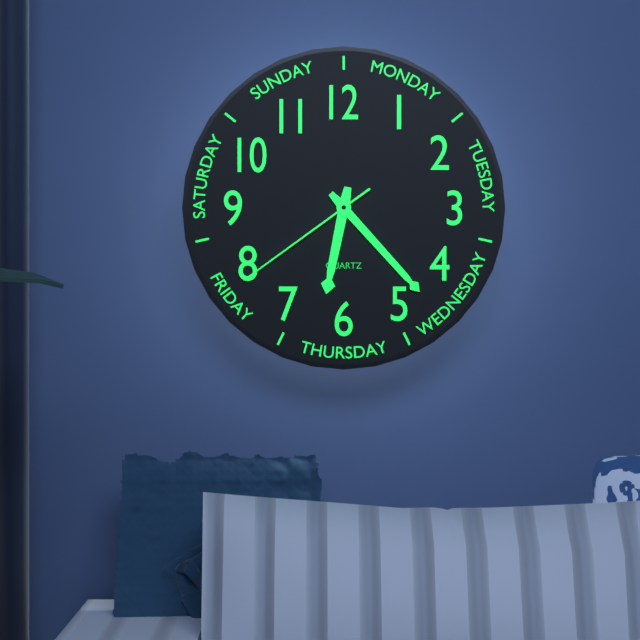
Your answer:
6 h 23 min 39 s
